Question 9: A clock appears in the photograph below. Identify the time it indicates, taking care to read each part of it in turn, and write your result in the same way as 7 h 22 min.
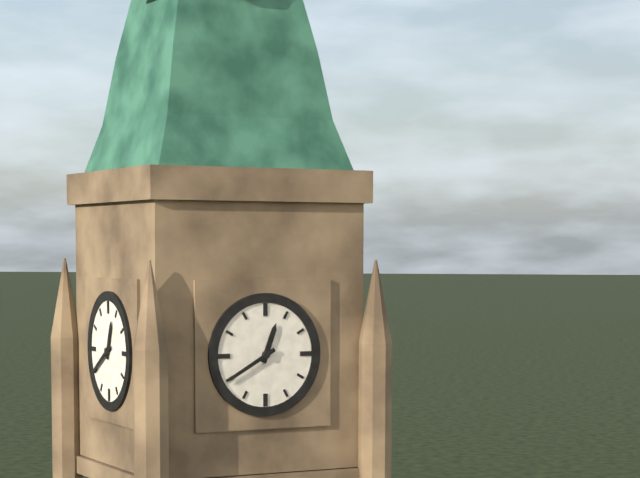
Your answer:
12 h 40 min
